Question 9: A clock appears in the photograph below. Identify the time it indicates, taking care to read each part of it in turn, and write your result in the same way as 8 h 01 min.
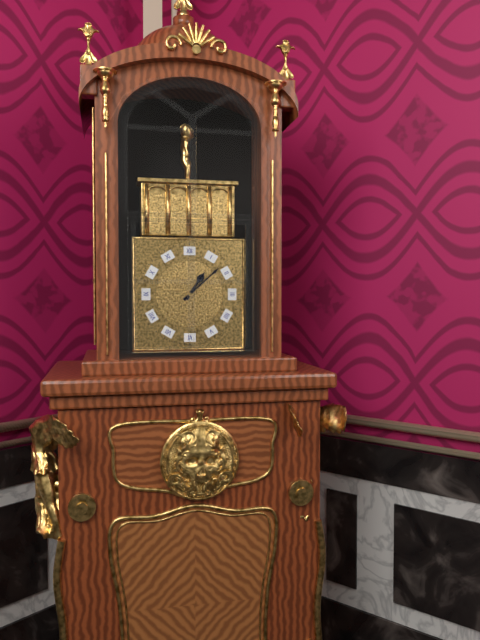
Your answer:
1 h 08 min
